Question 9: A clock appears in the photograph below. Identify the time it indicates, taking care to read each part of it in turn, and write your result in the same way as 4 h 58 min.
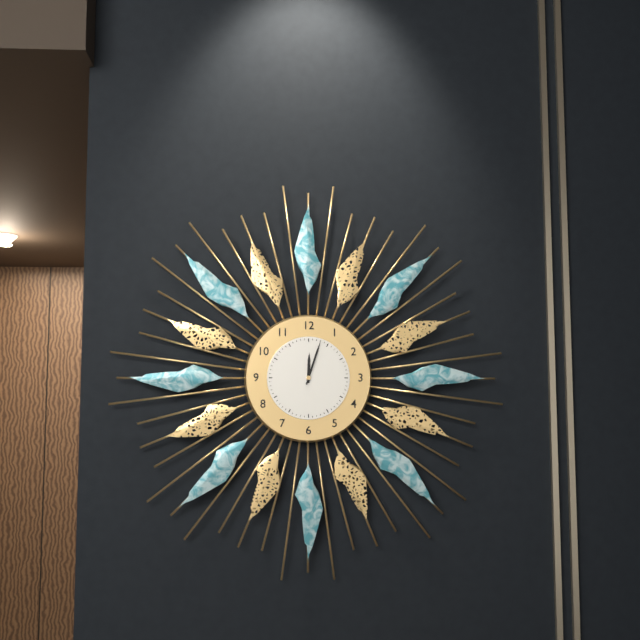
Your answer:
12 h 03 min
